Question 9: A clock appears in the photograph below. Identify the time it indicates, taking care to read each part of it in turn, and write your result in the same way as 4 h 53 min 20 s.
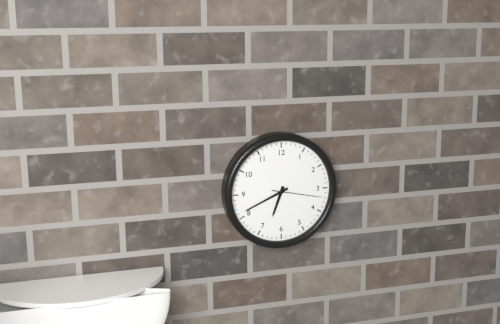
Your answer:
6 h 41 min 17 s
